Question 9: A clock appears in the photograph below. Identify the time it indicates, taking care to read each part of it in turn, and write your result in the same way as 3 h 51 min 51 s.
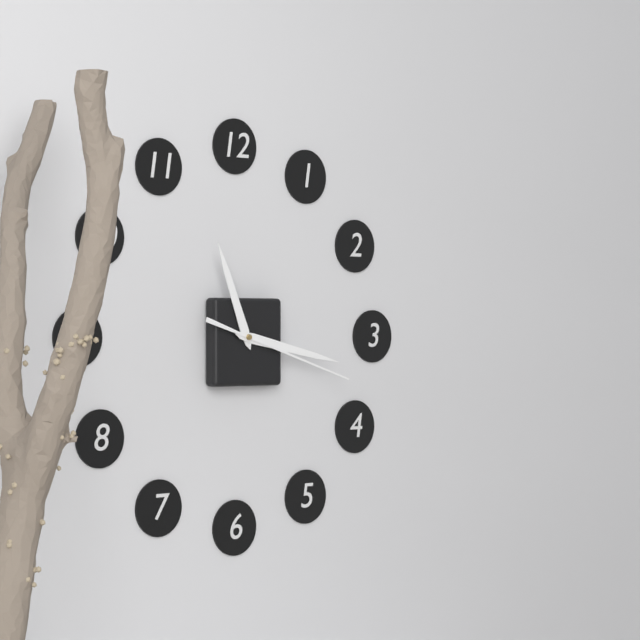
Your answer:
11 h 17 min 18 s
